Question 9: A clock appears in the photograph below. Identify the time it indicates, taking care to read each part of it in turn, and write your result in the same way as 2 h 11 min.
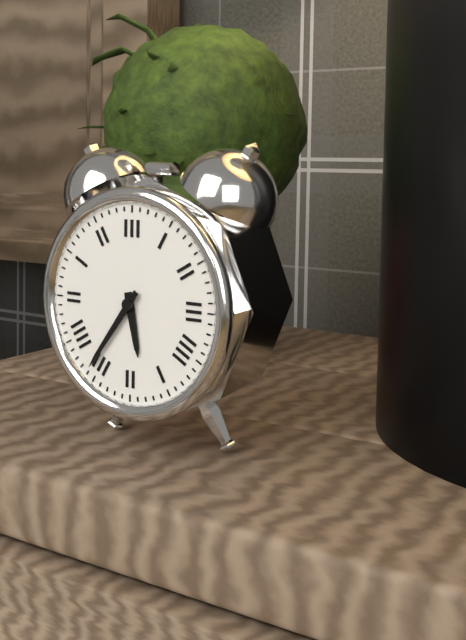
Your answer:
5 h 36 min
